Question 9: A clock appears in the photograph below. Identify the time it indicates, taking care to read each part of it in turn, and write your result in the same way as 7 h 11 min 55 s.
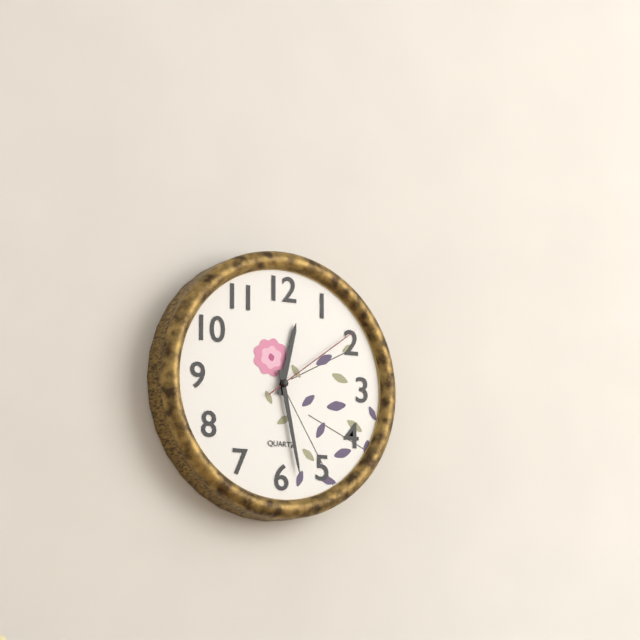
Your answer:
12 h 28 min 09 s
